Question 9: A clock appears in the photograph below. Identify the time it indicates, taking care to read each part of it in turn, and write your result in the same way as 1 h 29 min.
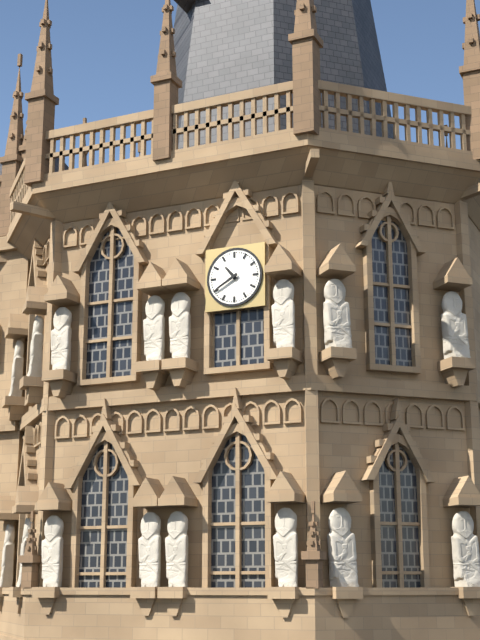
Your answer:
10 h 40 min
